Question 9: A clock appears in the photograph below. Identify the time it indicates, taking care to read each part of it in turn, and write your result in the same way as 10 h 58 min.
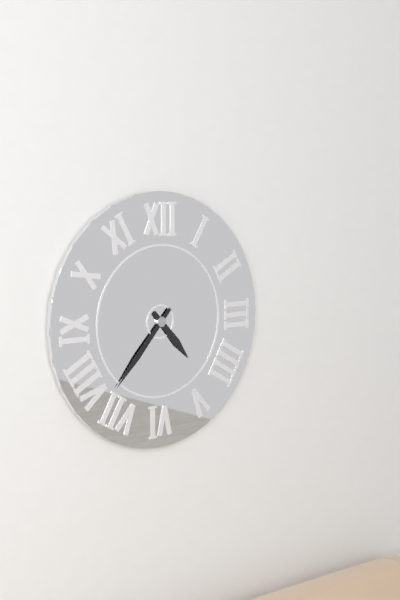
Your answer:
4 h 37 min
